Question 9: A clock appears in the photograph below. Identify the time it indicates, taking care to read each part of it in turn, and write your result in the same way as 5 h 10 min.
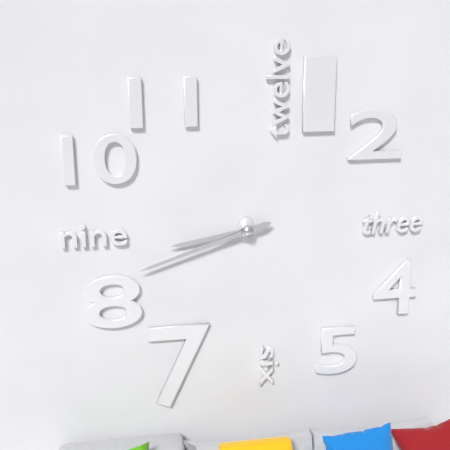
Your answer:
8 h 42 min
